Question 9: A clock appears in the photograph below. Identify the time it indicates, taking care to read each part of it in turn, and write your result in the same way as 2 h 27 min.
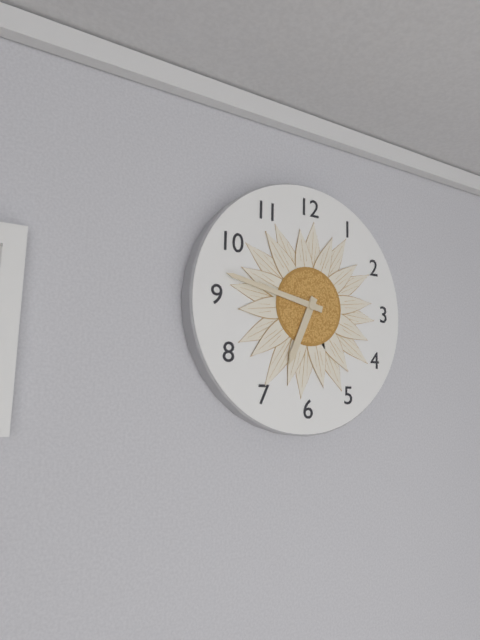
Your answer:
6 h 47 min
